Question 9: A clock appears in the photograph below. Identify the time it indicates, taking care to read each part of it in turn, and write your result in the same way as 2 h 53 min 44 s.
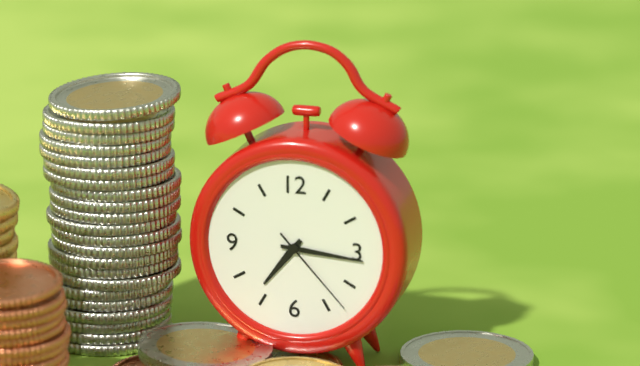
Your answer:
7 h 16 min 23 s
